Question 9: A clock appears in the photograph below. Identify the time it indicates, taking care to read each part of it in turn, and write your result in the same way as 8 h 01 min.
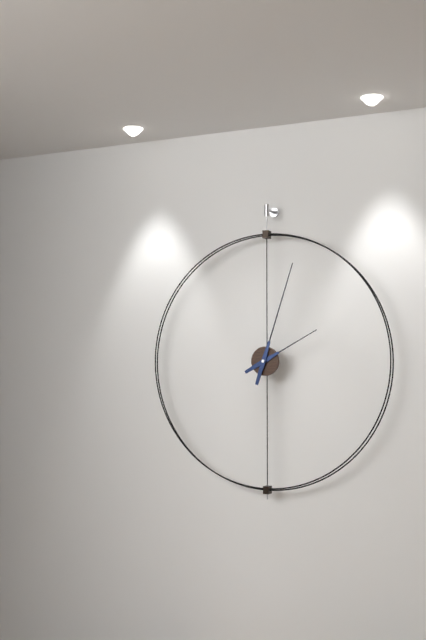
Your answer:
2 h 03 min
